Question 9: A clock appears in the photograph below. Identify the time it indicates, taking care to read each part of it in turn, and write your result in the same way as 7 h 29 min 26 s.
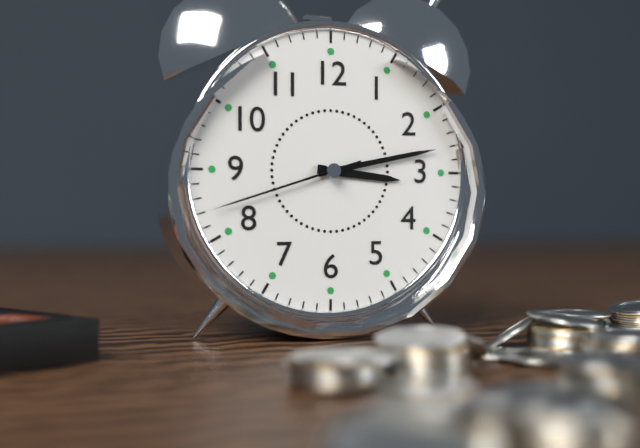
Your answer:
3 h 13 min 42 s
